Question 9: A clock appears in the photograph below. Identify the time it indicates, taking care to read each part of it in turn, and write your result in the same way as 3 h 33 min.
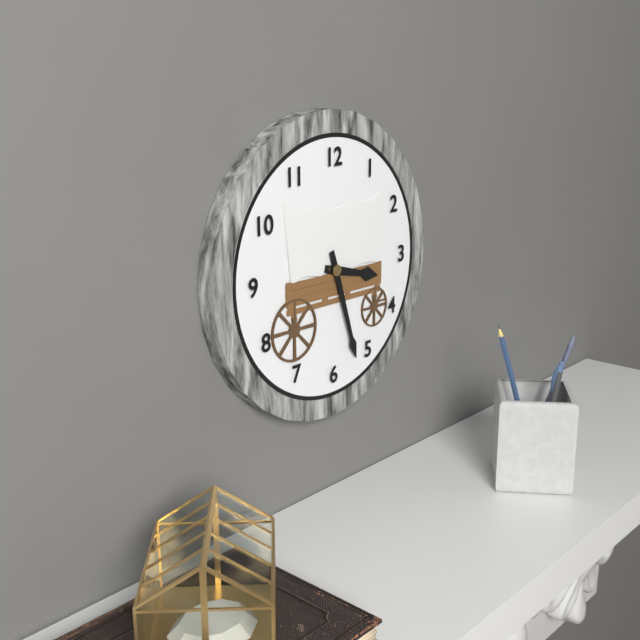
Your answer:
3 h 27 min
